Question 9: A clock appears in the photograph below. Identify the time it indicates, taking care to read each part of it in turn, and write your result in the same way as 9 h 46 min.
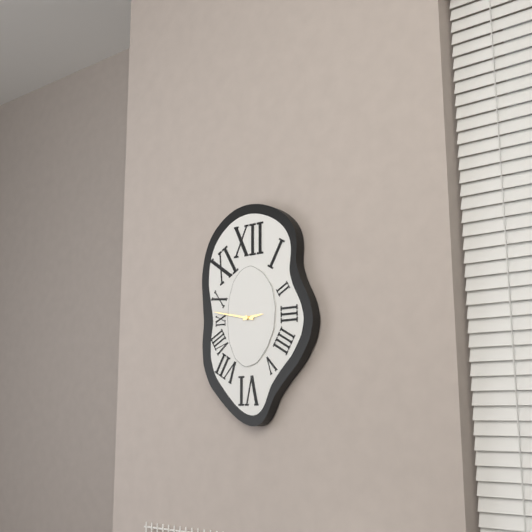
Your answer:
2 h 47 min
